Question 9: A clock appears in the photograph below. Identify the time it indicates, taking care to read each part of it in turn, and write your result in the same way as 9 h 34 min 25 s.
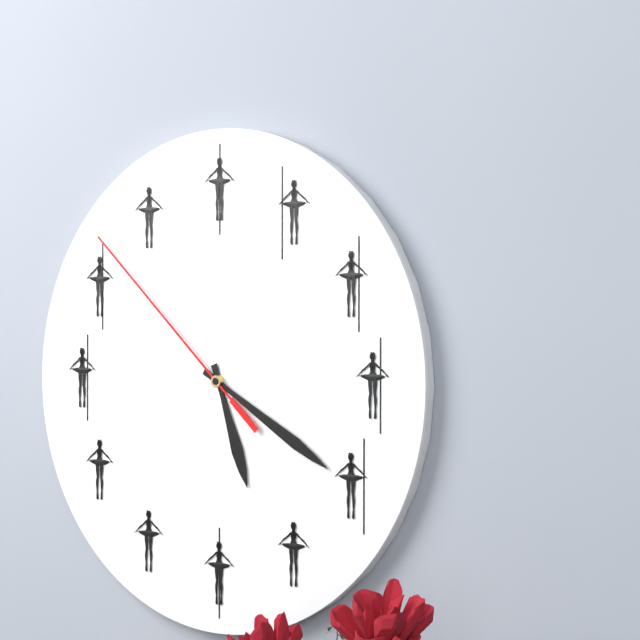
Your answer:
5 h 20 min 52 s
